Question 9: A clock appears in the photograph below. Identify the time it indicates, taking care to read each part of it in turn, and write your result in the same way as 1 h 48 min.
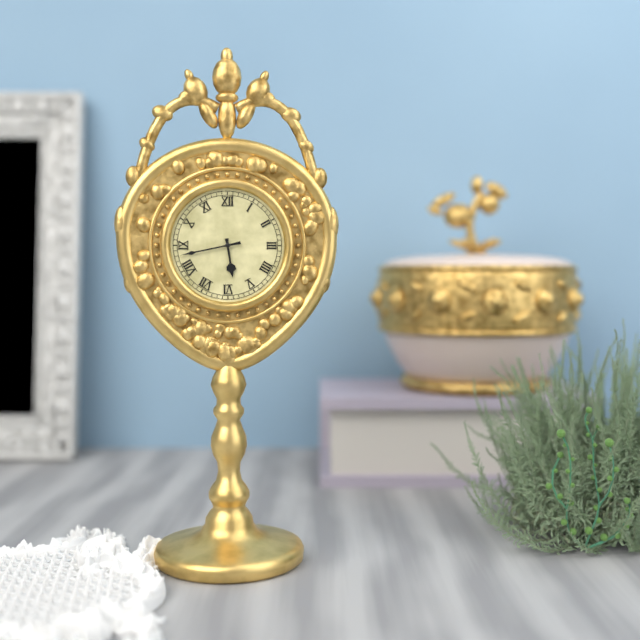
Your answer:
5 h 43 min
